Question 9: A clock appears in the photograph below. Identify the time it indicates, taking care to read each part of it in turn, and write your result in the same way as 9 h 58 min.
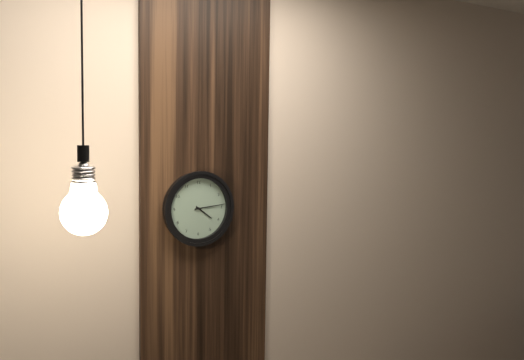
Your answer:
4 h 14 min
